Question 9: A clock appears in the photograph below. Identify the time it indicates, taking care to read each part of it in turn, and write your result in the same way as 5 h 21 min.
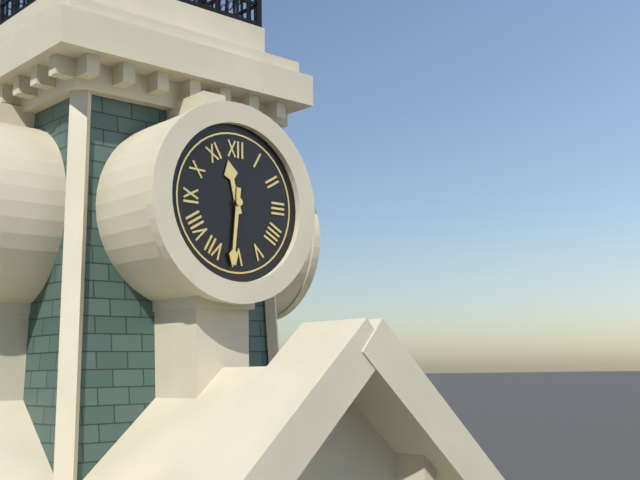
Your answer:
11 h 31 min
